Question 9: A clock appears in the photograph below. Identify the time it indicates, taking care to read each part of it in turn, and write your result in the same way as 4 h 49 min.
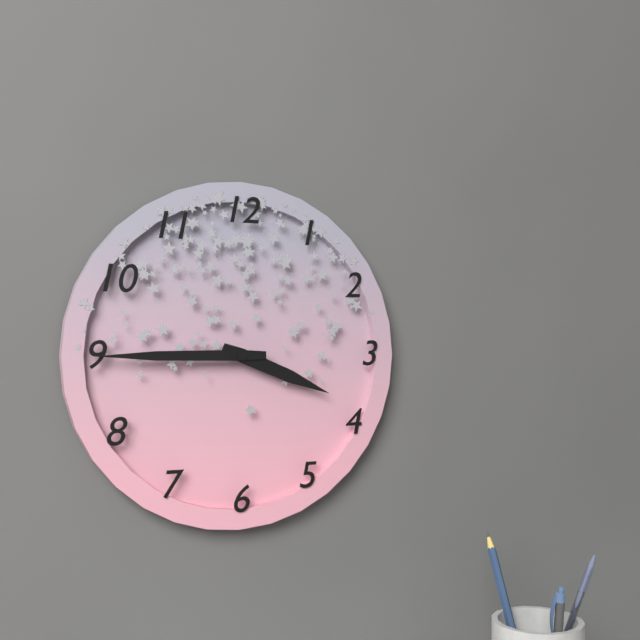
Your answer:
3 h 45 min
